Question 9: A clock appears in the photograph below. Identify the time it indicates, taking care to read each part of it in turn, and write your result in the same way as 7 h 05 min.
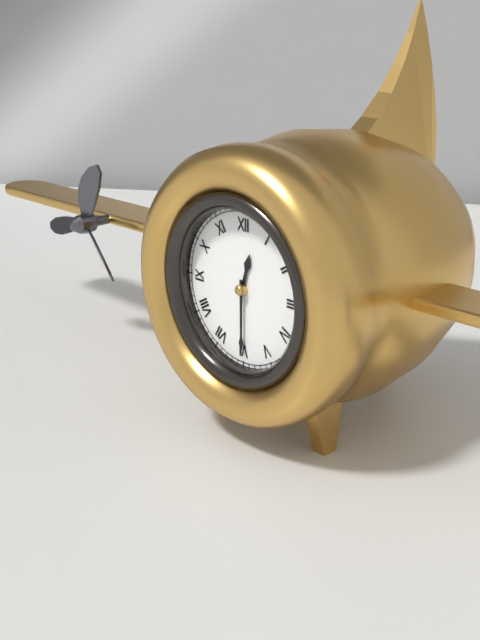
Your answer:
12 h 30 min
